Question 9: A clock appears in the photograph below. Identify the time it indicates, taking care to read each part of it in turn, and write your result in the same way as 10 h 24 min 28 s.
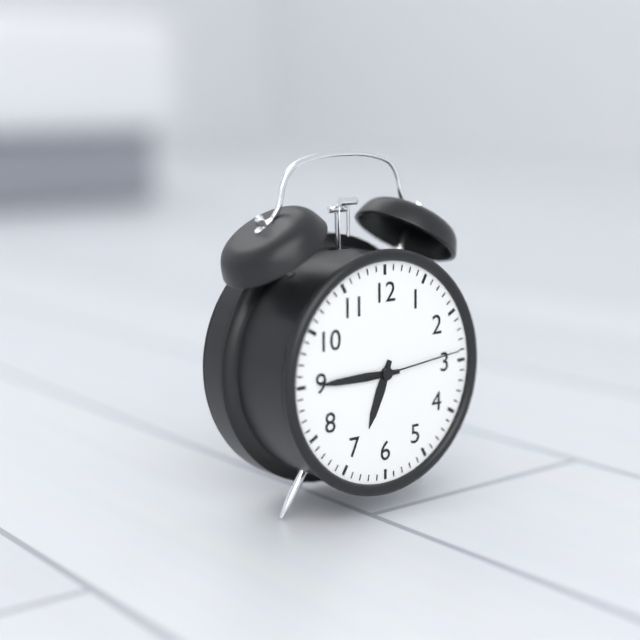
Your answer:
6 h 45 min 14 s
